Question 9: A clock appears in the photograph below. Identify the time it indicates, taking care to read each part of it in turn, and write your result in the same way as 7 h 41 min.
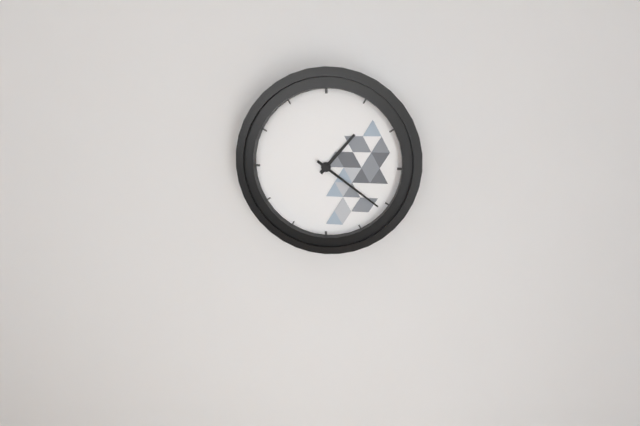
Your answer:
1 h 21 min
